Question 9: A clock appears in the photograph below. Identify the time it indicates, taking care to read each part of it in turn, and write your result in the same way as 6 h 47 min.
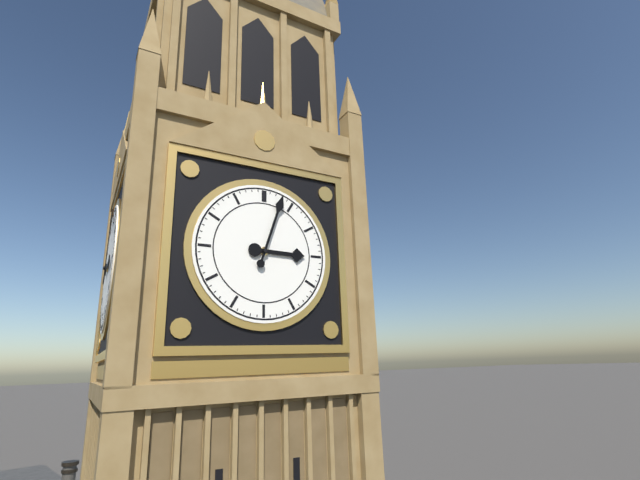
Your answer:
3 h 03 min
